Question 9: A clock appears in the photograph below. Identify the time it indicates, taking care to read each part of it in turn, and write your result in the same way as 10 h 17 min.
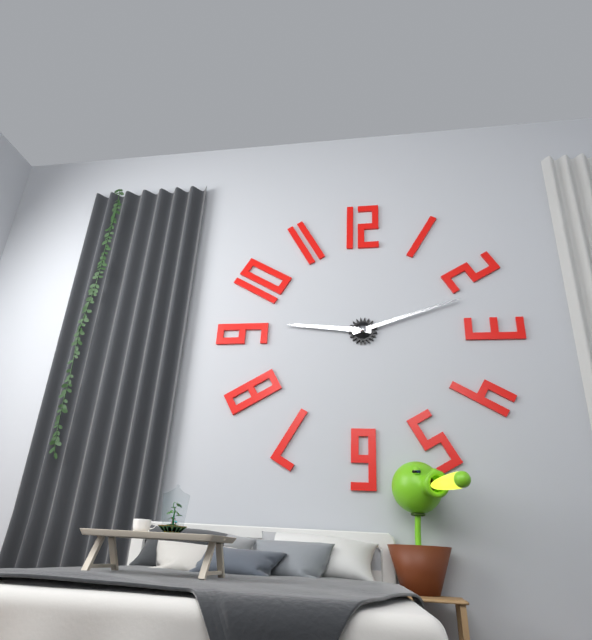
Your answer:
9 h 12 min
